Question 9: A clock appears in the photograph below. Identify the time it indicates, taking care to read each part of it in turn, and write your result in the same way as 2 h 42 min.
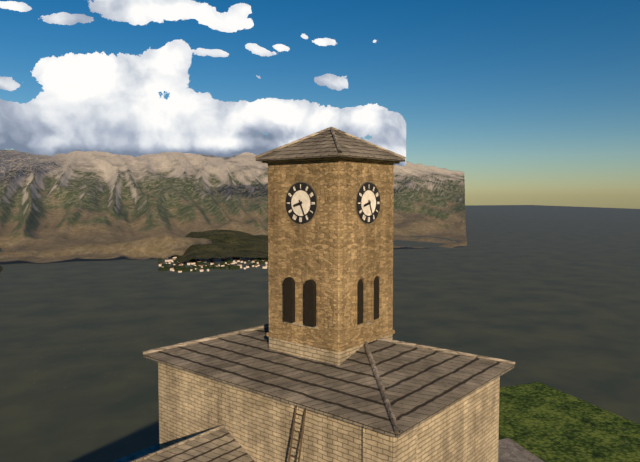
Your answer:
8 h 26 min
